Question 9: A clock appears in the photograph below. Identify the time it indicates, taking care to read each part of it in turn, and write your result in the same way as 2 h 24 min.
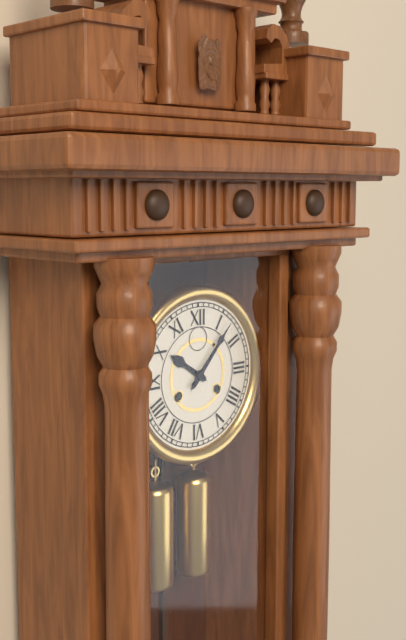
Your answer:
10 h 07 min
